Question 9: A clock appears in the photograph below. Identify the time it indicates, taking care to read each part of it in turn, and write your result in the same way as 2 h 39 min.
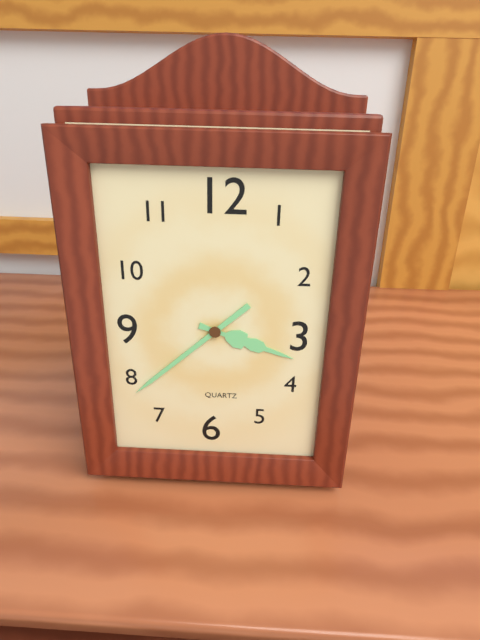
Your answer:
3 h 38 min
